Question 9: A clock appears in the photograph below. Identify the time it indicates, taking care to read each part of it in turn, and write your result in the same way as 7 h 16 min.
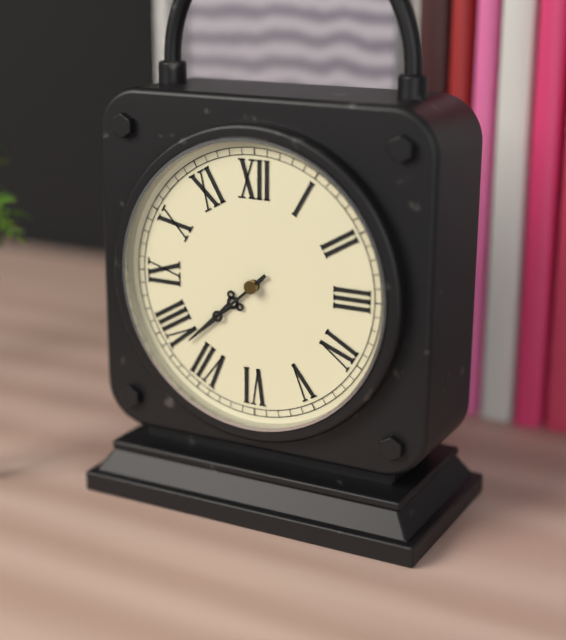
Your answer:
7 h 38 min
